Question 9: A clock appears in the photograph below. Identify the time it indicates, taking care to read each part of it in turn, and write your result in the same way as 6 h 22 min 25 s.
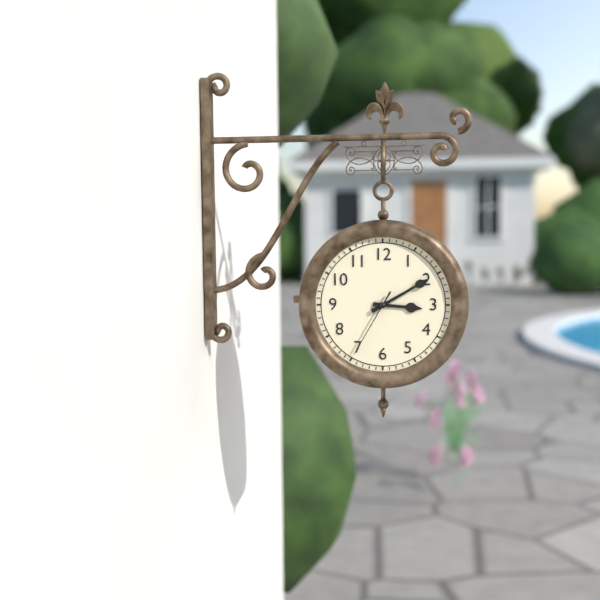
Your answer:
3 h 10 min 35 s
